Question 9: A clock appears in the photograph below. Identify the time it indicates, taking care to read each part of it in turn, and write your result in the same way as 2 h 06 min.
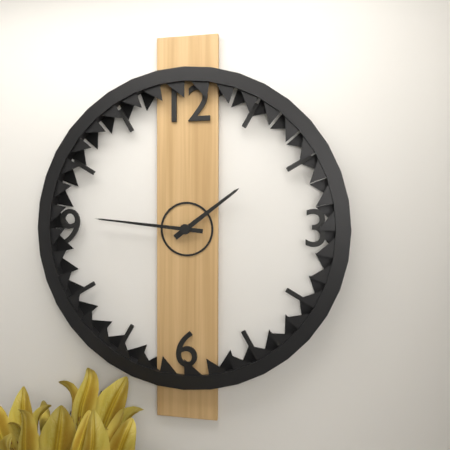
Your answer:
1 h 46 min
